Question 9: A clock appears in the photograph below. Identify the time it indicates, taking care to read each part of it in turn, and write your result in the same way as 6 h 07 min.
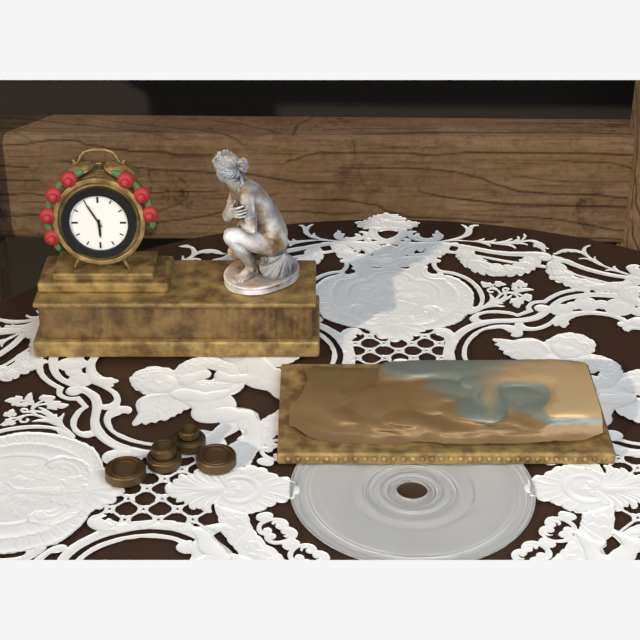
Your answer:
5 h 55 min
